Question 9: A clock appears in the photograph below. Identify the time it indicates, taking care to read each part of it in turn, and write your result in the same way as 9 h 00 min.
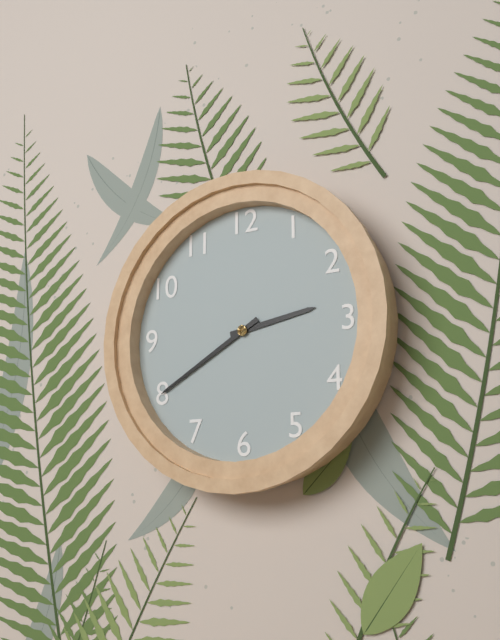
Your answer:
2 h 40 min
